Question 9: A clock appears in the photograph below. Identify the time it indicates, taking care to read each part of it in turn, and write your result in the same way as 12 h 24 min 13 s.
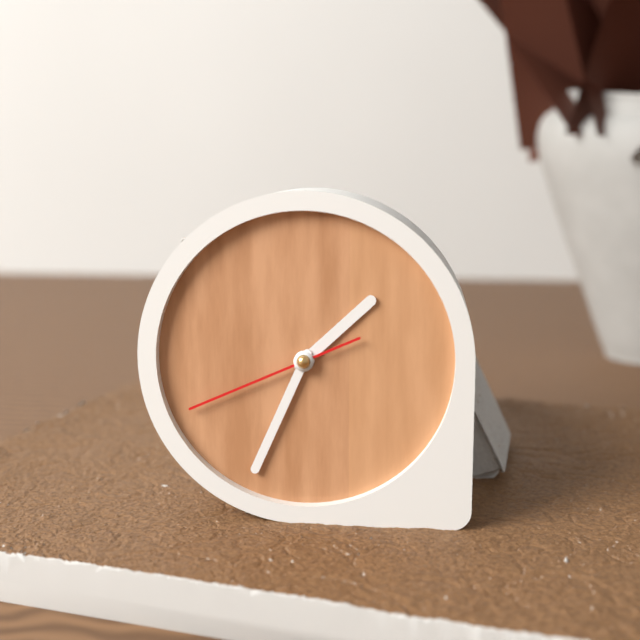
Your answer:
1 h 34 min 41 s
